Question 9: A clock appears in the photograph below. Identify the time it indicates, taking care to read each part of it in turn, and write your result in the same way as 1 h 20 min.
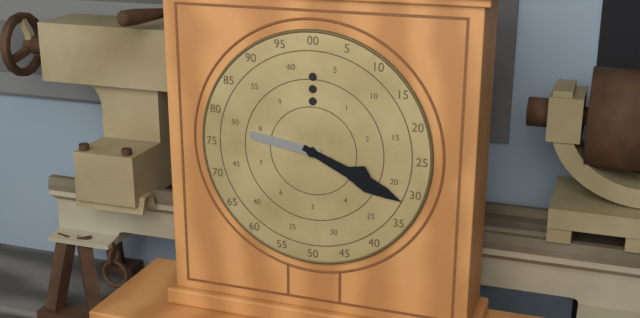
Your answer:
9 h 19 min
